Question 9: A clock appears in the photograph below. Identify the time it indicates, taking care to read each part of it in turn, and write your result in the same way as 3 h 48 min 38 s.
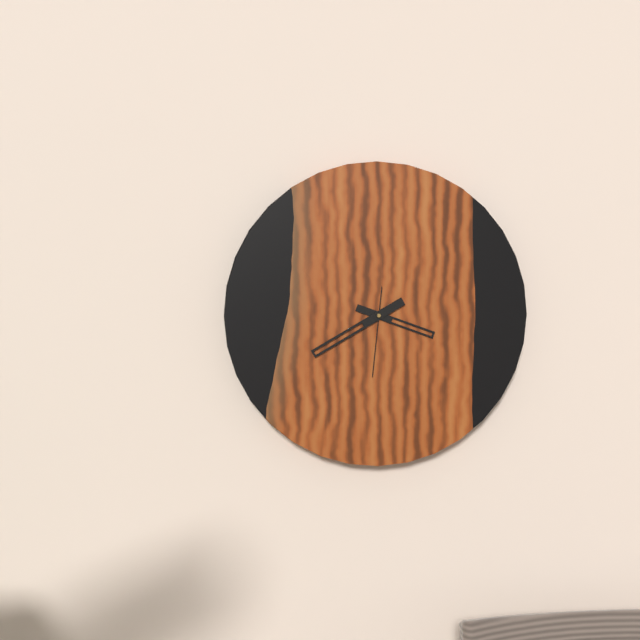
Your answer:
3 h 40 min 31 s
